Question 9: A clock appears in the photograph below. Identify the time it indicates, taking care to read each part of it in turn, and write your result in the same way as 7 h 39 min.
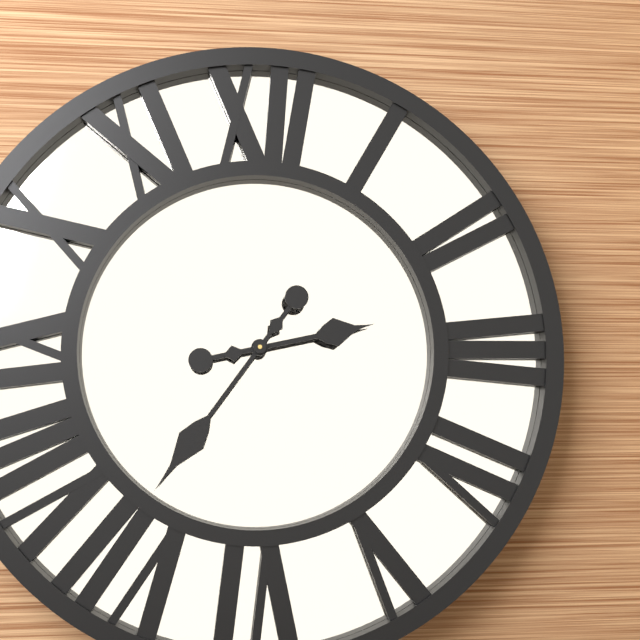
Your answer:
2 h 36 min
